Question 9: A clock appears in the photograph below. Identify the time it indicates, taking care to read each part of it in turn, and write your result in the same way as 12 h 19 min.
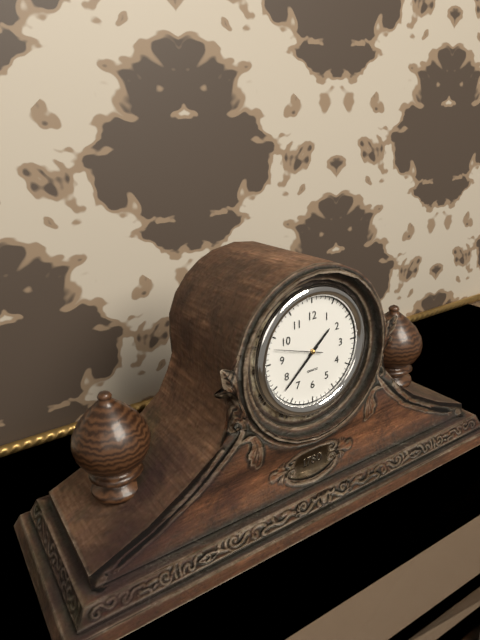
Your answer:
1 h 38 min
